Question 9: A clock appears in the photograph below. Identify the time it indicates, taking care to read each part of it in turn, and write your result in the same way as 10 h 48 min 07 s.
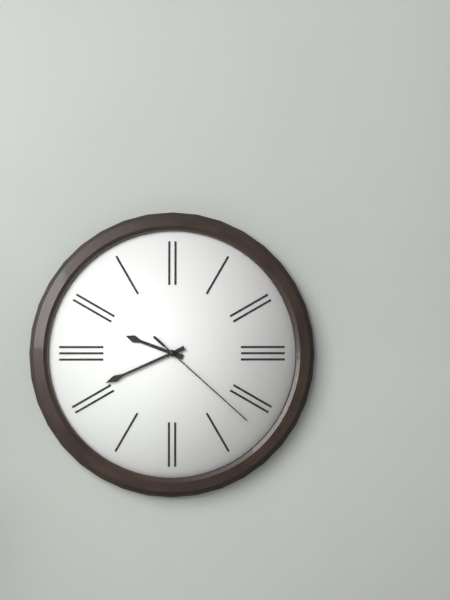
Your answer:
9 h 41 min 22 s
